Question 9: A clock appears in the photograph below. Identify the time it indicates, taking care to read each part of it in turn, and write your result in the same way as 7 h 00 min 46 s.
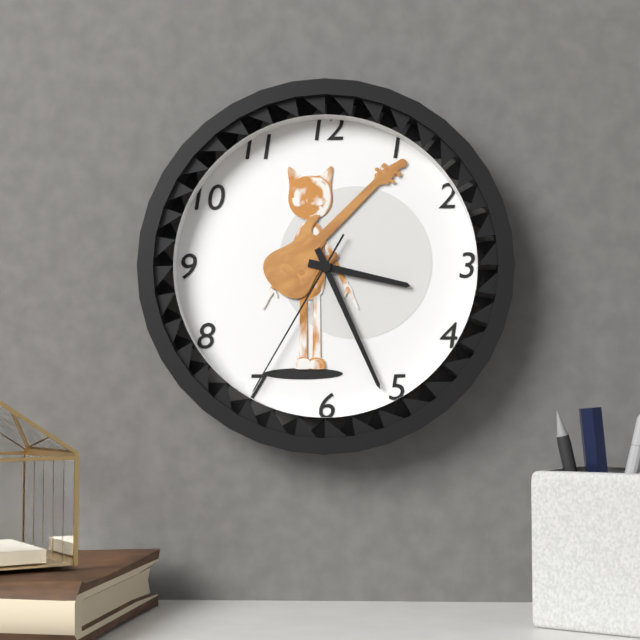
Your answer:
3 h 26 min 35 s
